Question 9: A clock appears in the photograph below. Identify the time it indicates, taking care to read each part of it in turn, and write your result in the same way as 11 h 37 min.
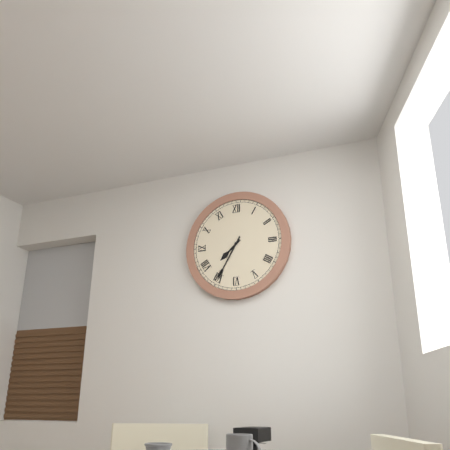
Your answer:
7 h 35 min
